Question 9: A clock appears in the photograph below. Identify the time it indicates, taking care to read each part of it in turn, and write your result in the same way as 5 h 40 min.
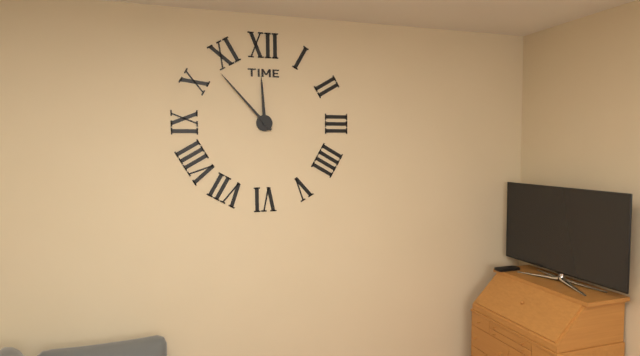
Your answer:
11 h 53 min
